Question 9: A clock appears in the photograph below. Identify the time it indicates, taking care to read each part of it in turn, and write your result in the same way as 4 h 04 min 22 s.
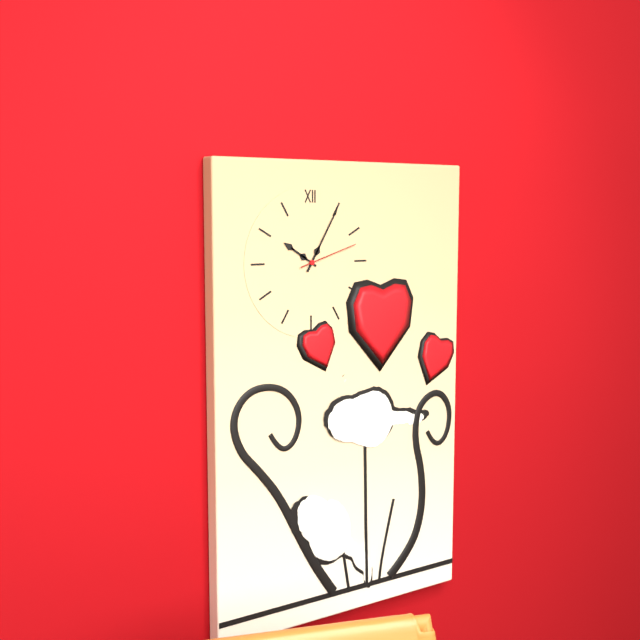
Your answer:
10 h 05 min 12 s
